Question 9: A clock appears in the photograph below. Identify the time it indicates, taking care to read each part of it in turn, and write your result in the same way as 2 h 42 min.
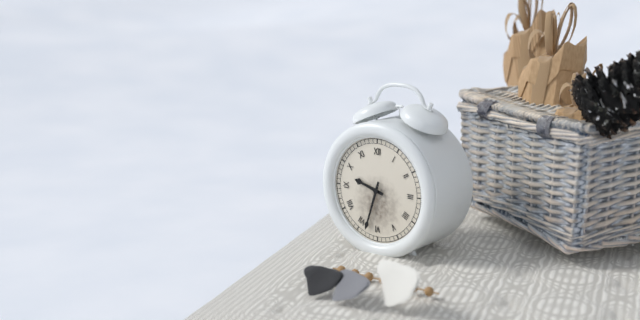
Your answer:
9 h 33 min
